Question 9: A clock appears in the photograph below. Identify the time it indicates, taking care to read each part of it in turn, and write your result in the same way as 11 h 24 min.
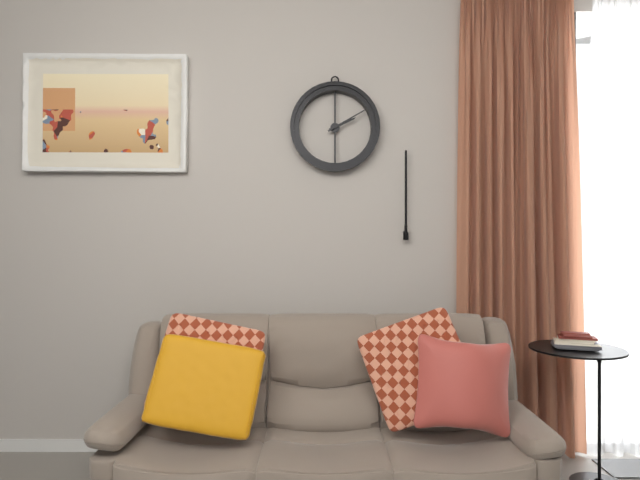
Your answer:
2 h 10 min
